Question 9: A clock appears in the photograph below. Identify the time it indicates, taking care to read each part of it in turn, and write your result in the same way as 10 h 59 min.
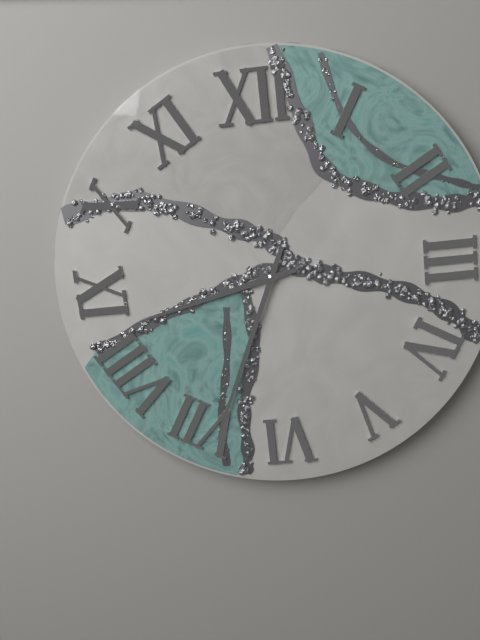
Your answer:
8 h 34 min
